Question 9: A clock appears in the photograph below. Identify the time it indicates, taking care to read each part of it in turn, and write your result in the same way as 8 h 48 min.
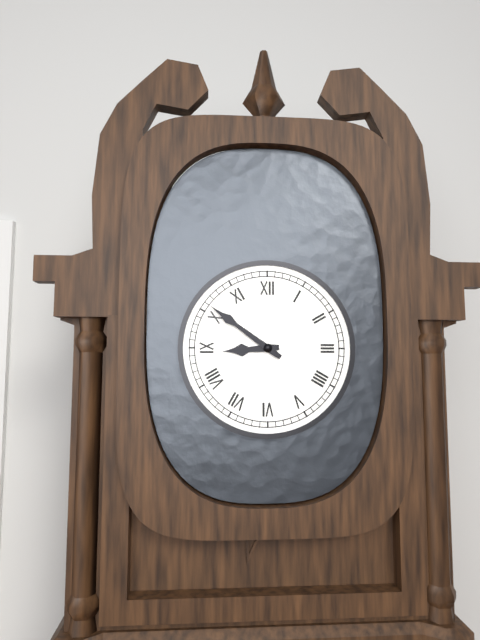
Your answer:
8 h 51 min
